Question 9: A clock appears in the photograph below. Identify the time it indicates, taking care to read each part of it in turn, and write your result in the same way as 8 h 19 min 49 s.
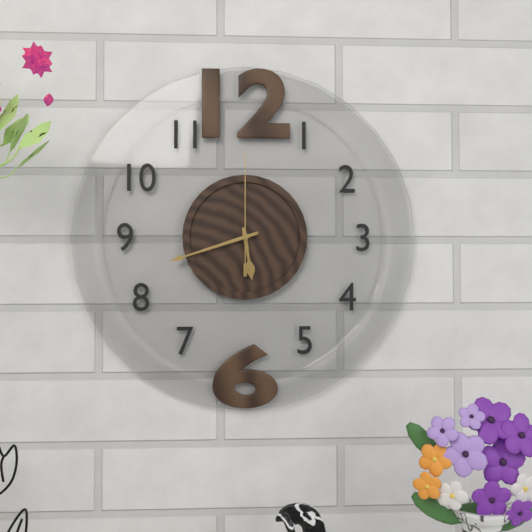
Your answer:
5 h 42 min 00 s
